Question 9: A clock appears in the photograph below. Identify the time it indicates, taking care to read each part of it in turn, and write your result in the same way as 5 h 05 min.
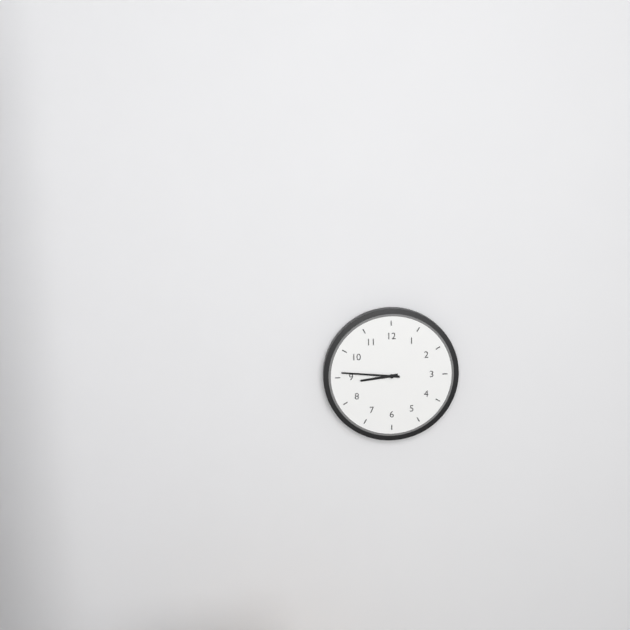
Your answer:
8 h 46 min
